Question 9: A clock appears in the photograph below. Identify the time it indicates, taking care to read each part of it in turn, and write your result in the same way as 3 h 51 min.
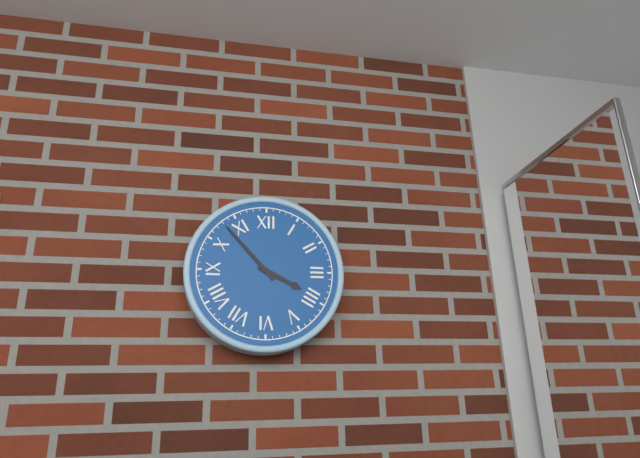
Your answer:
3 h 53 min
